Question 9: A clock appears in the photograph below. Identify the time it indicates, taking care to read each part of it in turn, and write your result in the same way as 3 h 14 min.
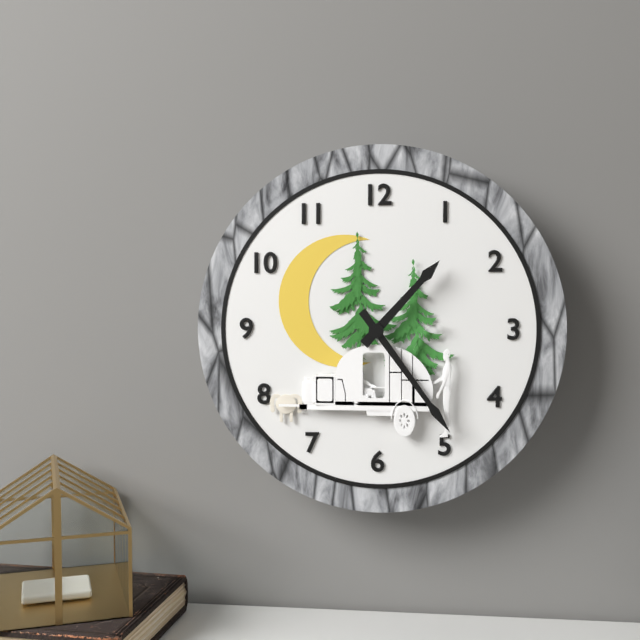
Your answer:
1 h 24 min
